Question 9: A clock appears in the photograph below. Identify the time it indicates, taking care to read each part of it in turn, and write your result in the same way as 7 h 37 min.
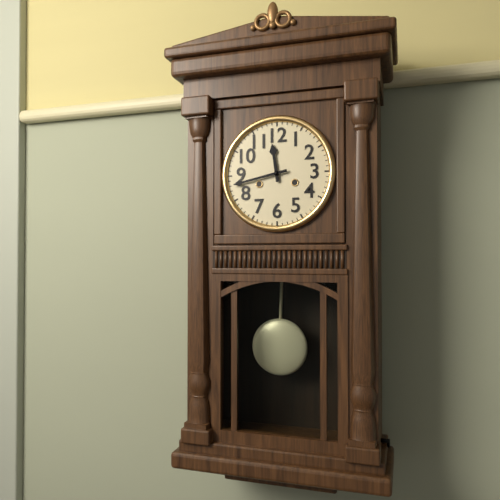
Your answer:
11 h 43 min
